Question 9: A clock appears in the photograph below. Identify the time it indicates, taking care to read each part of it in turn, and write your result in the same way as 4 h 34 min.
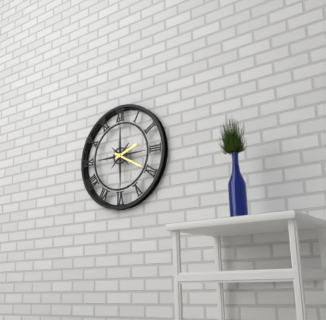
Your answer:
2 h 20 min
